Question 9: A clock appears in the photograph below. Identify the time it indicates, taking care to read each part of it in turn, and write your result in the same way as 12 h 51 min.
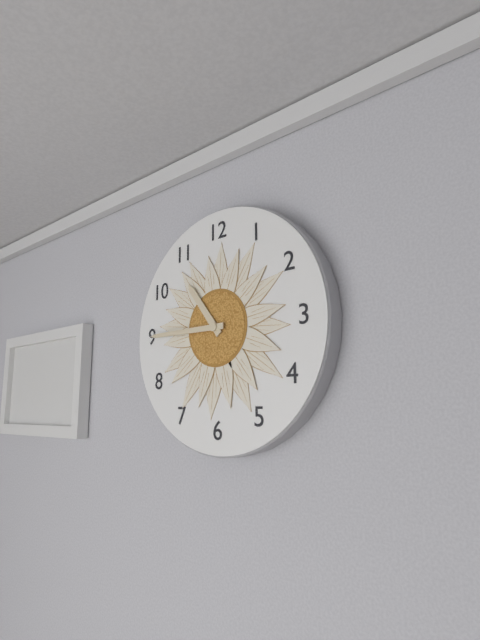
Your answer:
10 h 45 min
